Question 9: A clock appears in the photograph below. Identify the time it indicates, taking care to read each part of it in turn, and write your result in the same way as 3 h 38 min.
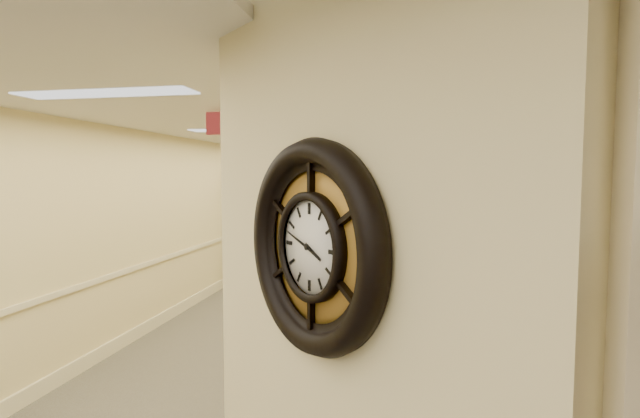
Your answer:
3 h 48 min
